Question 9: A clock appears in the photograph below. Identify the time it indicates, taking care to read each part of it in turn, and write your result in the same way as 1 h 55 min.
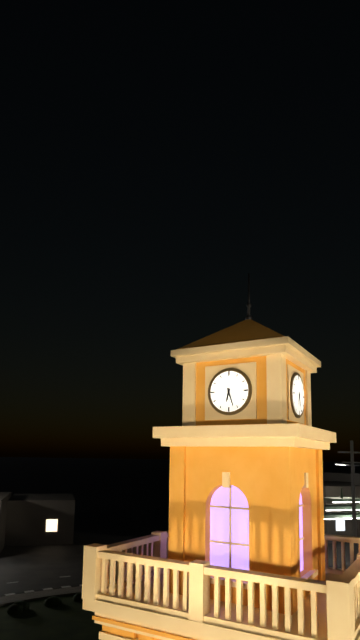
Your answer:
6 h 27 min
